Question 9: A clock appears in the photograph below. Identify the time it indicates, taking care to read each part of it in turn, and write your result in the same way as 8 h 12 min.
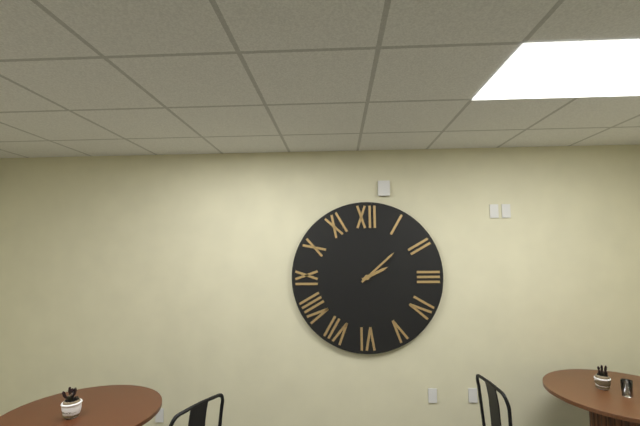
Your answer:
2 h 08 min
